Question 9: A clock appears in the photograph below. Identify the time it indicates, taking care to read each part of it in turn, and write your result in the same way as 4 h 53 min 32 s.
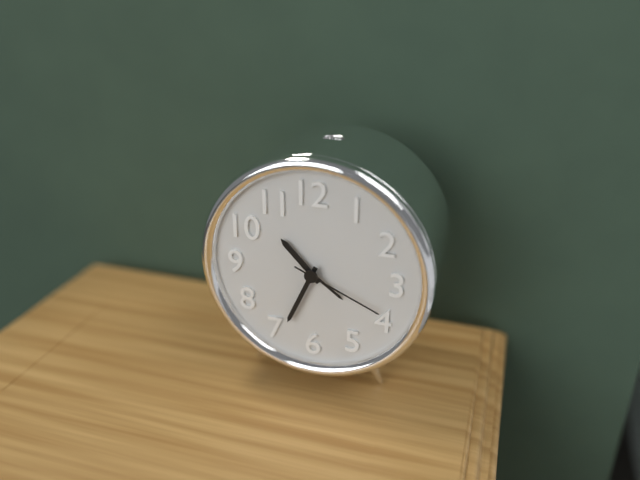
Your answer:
10 h 34 min 19 s
